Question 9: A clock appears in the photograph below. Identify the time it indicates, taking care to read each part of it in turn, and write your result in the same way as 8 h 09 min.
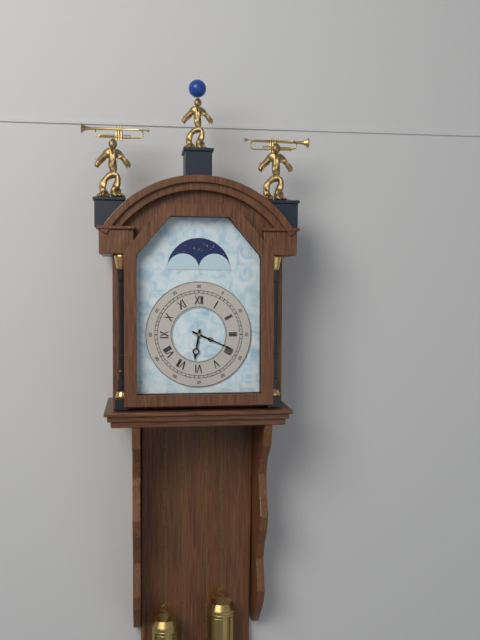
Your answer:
6 h 19 min
